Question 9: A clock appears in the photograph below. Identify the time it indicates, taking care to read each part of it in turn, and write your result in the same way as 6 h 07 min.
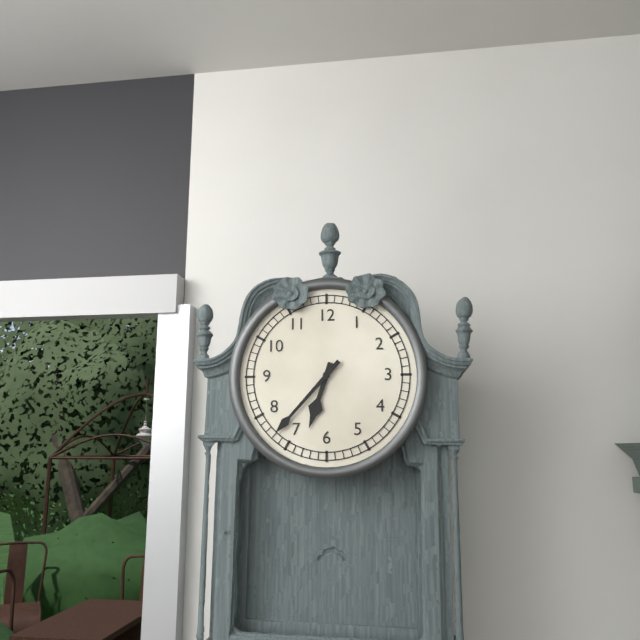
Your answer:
6 h 37 min
